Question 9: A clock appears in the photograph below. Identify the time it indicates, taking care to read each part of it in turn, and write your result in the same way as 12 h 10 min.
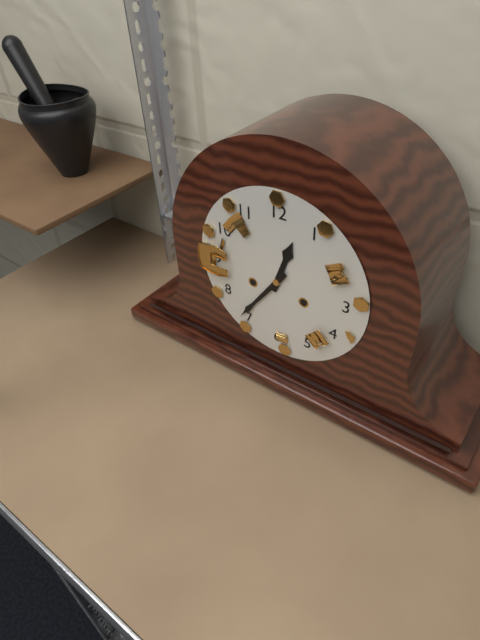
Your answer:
12 h 36 min
